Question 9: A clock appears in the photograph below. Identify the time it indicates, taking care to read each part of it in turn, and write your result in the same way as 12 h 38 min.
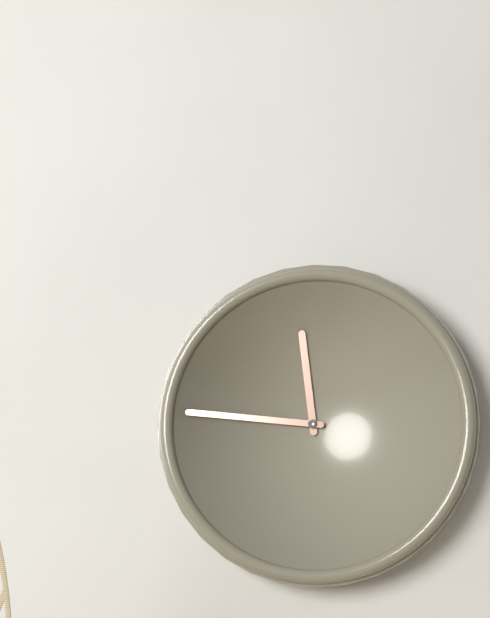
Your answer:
11 h 46 min
